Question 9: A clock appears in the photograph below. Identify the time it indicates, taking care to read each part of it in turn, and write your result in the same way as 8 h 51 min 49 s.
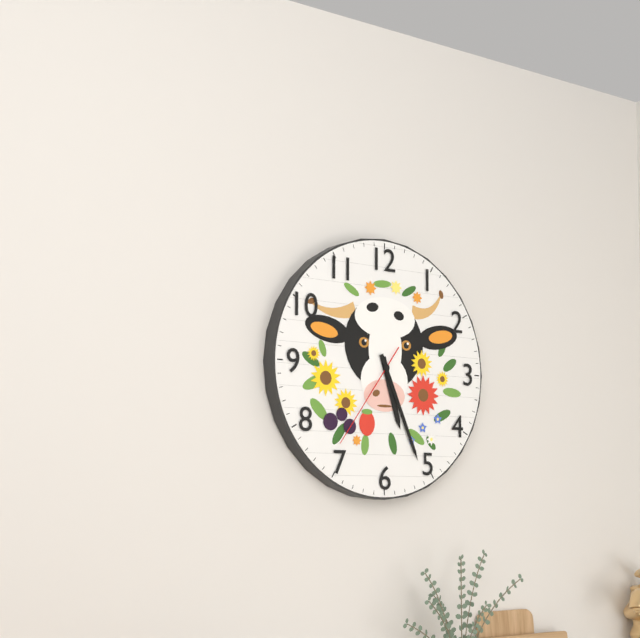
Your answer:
5 h 26 min 36 s
